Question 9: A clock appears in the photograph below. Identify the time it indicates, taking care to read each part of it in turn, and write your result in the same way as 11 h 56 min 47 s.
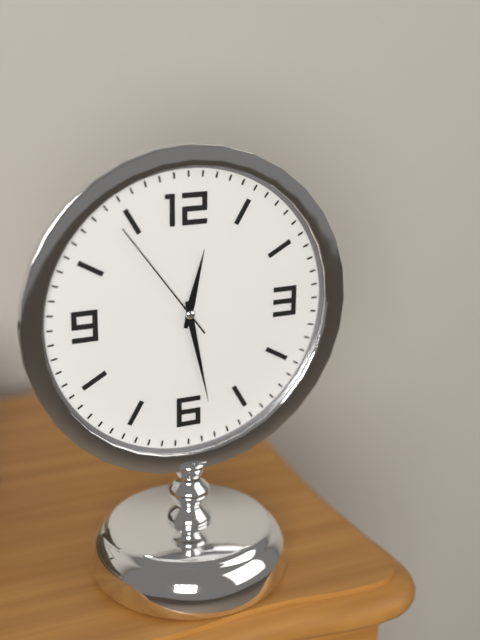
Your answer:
12 h 28 min 54 s
